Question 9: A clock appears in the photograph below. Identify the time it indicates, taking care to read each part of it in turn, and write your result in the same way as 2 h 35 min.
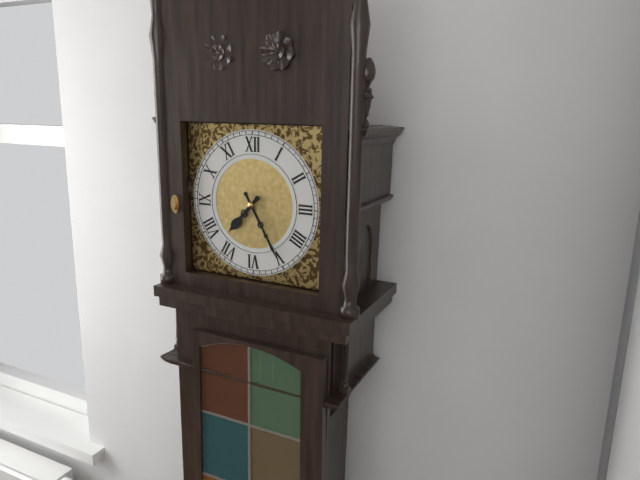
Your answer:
7 h 25 min
